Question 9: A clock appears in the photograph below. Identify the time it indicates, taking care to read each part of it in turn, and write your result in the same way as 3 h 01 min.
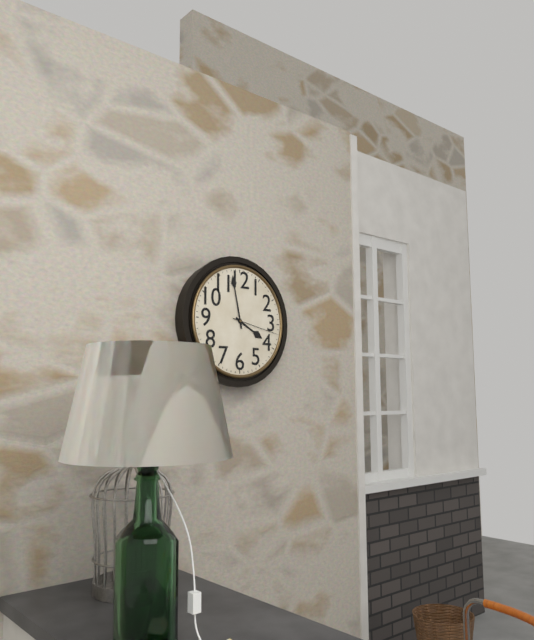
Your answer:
3 h 58 min
